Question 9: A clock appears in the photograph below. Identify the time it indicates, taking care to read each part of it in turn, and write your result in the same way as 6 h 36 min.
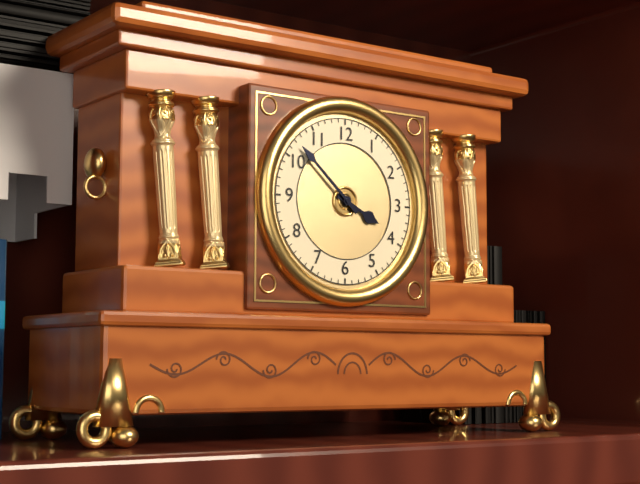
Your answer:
3 h 52 min
